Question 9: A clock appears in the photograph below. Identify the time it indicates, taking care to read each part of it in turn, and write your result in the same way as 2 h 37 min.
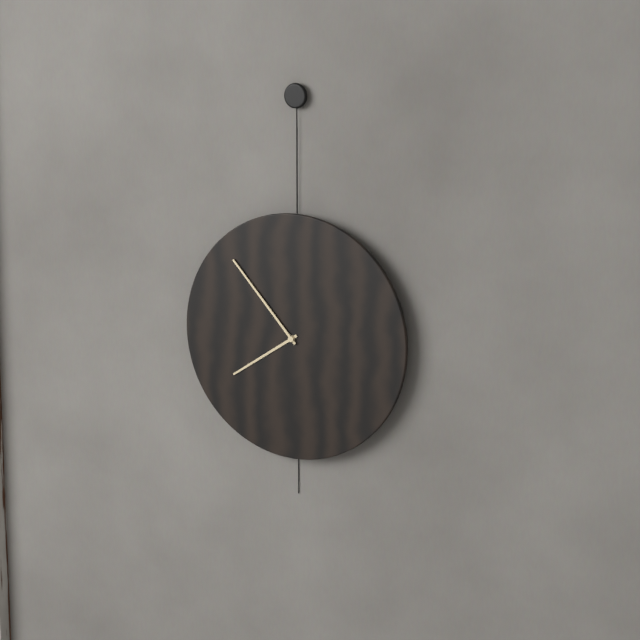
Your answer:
7 h 53 min
